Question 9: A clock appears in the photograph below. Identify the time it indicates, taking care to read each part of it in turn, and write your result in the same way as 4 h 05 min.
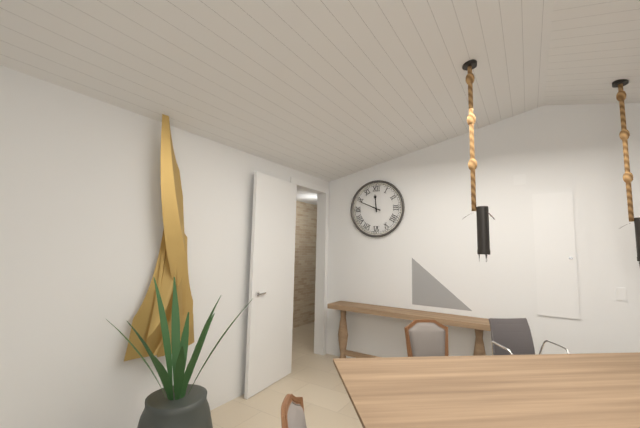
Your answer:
11 h 49 min
